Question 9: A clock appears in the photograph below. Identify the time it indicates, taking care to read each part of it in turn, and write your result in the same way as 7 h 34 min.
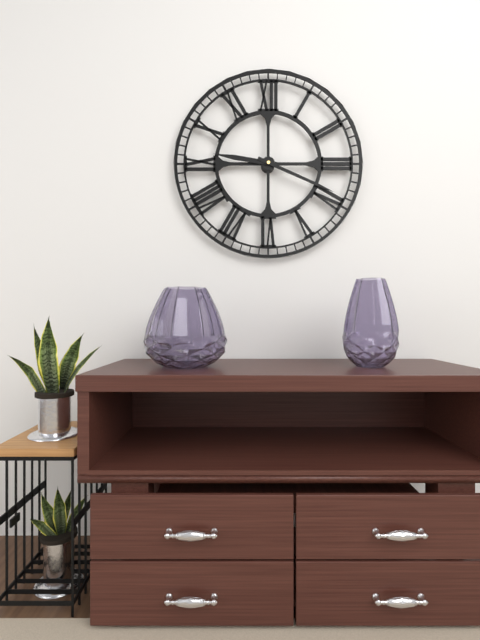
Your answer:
9 h 19 min
